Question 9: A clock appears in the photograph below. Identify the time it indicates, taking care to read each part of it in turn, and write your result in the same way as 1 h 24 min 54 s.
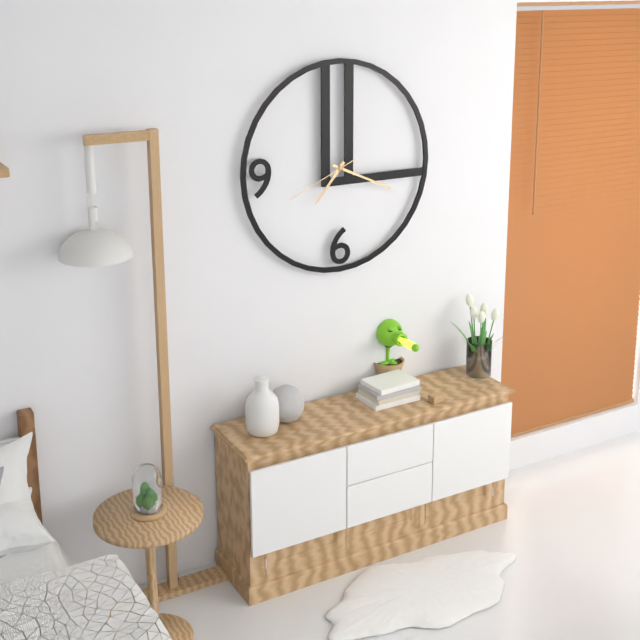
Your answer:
7 h 19 min 41 s
